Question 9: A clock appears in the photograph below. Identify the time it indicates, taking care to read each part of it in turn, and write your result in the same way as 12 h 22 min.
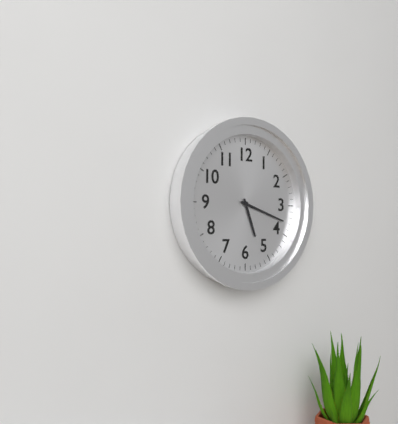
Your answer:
5 h 18 min
